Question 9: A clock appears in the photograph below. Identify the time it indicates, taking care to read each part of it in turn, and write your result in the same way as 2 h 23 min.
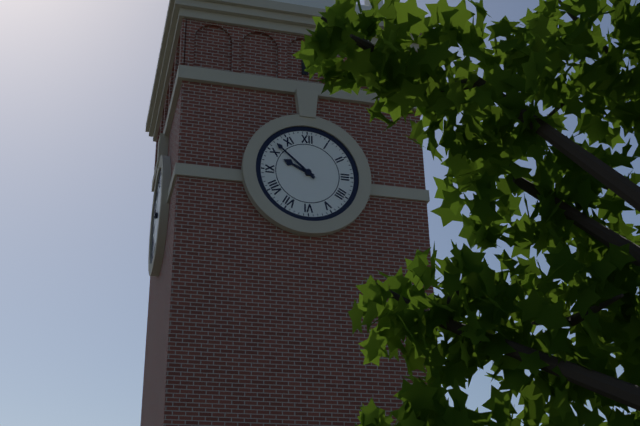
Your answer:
9 h 52 min
